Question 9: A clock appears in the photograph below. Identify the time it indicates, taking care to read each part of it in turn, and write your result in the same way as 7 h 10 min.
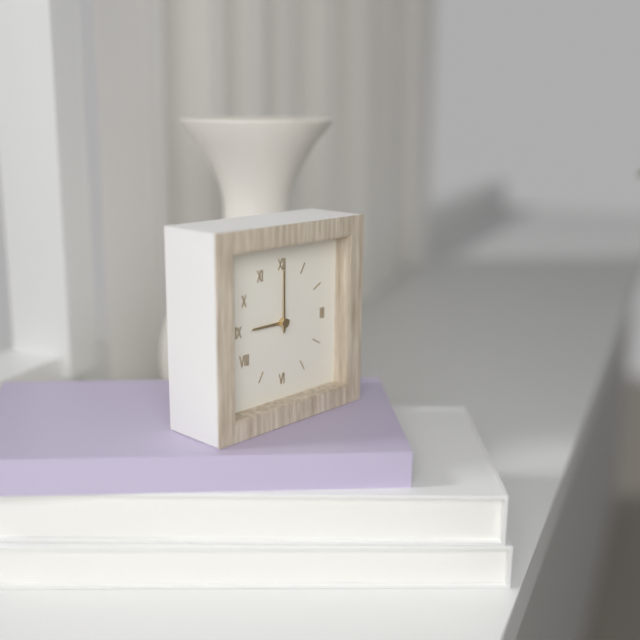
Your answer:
9 h 00 min
